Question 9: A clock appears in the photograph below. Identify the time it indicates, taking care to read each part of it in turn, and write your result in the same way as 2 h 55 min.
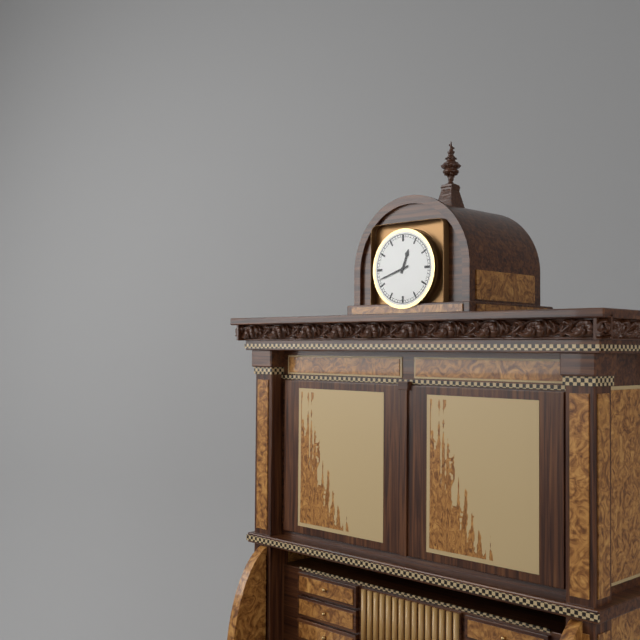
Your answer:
12 h 42 min
